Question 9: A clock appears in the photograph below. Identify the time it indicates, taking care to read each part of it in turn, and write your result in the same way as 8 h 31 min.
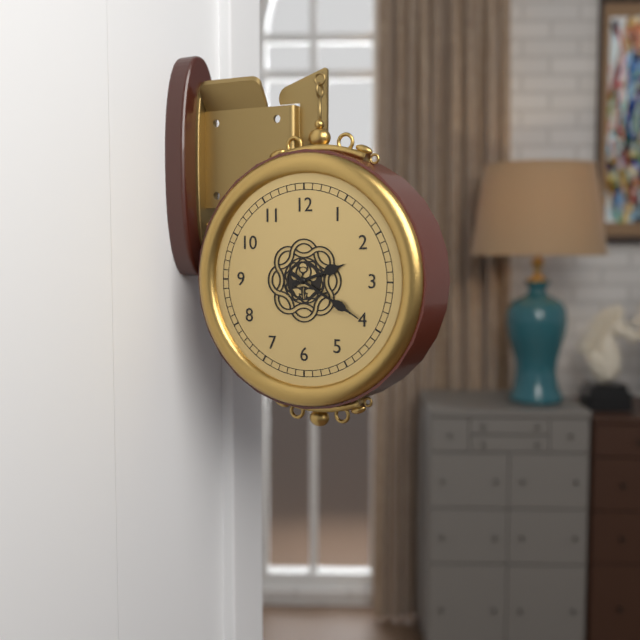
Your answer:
2 h 20 min
